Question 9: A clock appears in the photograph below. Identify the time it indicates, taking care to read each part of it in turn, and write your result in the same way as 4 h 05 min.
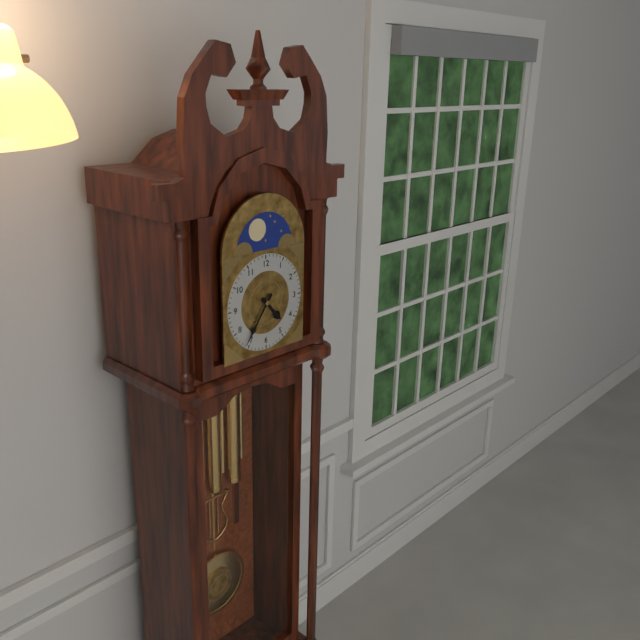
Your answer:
4 h 36 min
